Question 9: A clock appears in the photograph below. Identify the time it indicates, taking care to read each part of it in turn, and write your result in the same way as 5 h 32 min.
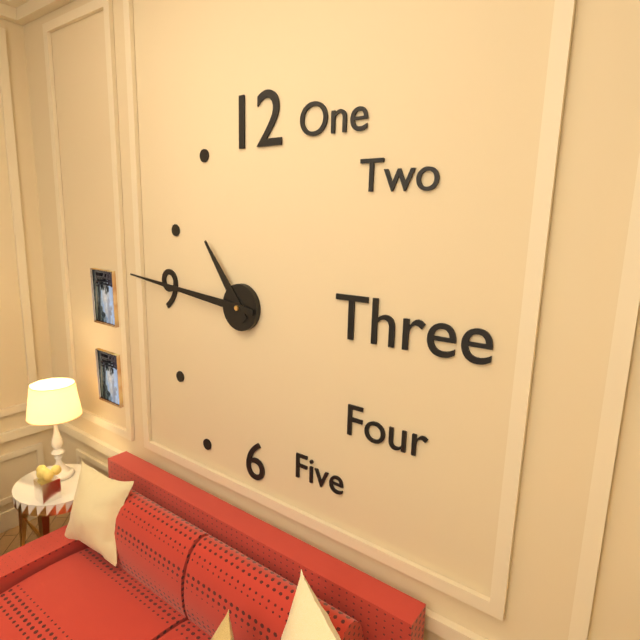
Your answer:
10 h 46 min
